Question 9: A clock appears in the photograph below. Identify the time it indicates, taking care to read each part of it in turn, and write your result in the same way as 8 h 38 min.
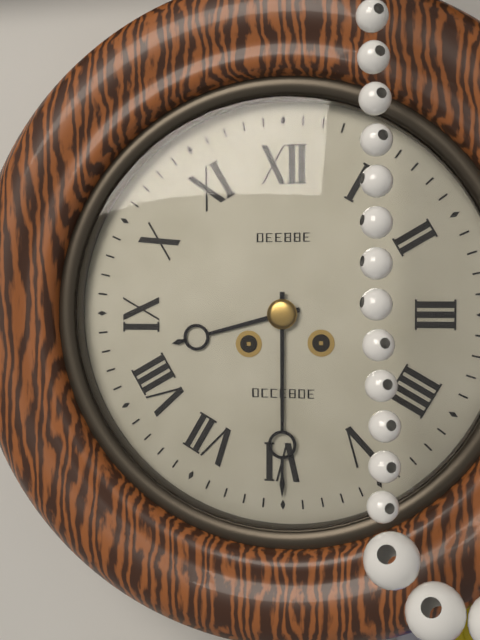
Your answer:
8 h 30 min
